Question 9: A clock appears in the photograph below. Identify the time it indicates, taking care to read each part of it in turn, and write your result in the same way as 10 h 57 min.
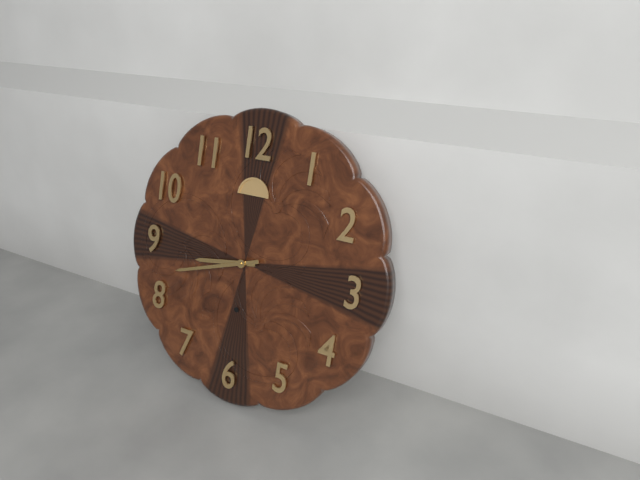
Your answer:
8 h 42 min
